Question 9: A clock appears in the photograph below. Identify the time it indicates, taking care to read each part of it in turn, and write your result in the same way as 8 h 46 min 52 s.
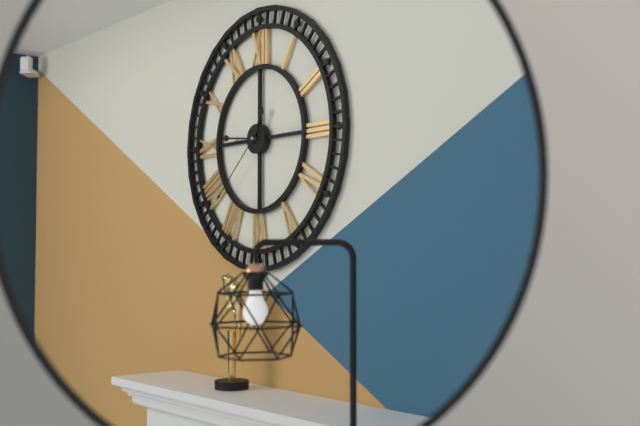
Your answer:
12 h 46 min 38 s
